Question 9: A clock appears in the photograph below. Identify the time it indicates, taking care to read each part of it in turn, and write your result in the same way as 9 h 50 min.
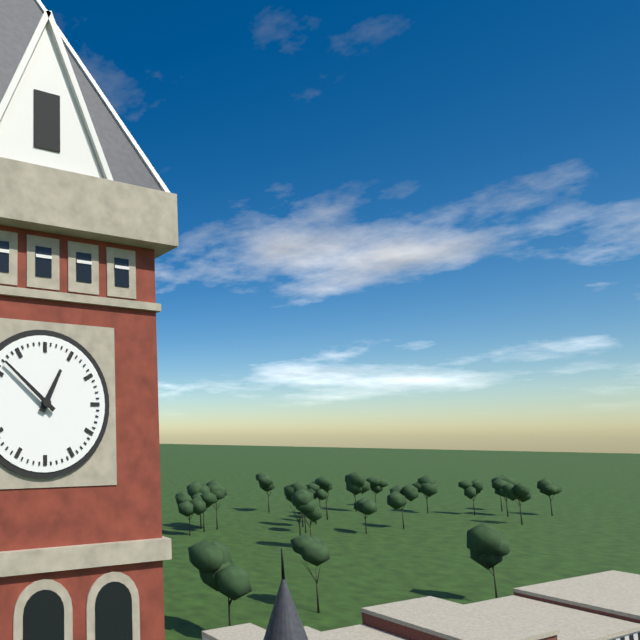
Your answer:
12 h 52 min
